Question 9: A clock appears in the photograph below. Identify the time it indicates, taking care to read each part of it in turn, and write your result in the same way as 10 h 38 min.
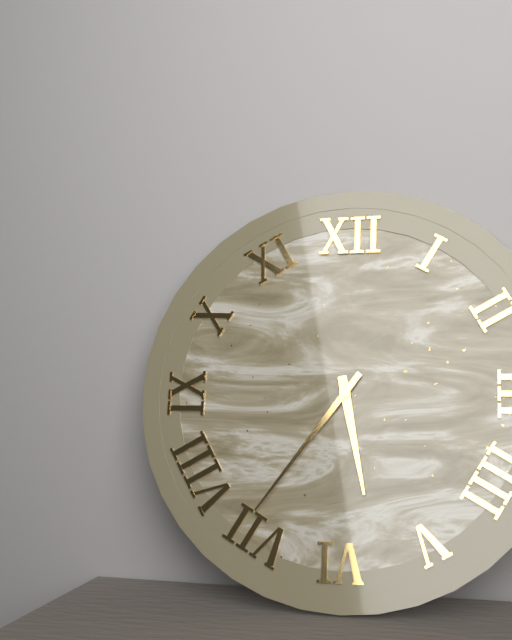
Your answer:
5 h 36 min
